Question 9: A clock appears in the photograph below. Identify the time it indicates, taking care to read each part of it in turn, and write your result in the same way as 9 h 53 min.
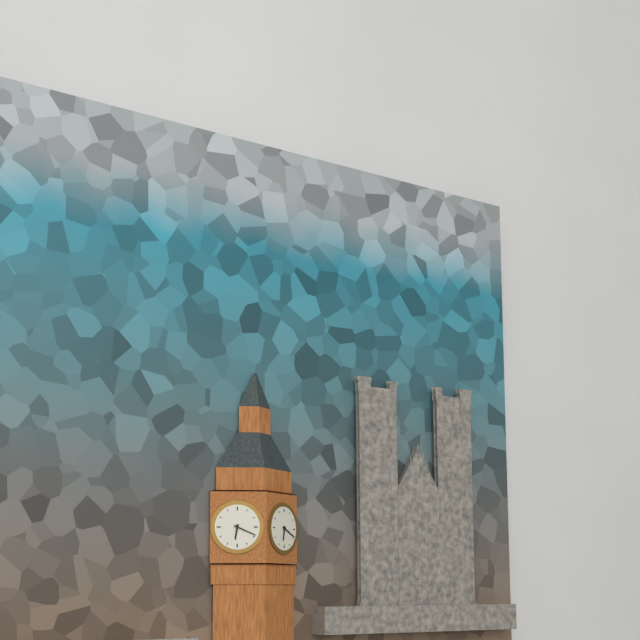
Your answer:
6 h 19 min
